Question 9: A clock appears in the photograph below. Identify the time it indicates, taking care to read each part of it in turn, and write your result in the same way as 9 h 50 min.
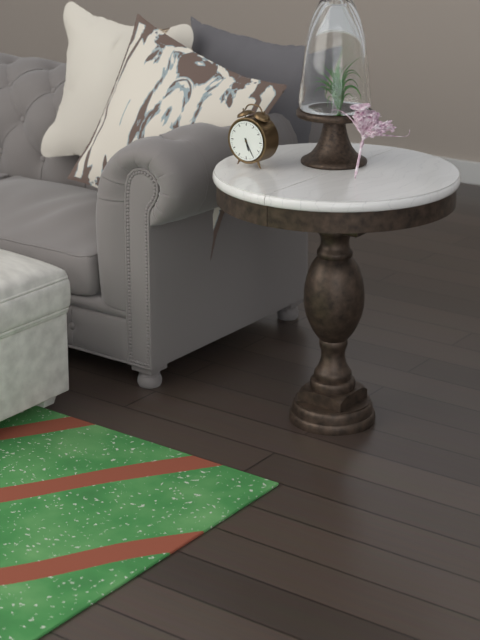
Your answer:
5 h 25 min
